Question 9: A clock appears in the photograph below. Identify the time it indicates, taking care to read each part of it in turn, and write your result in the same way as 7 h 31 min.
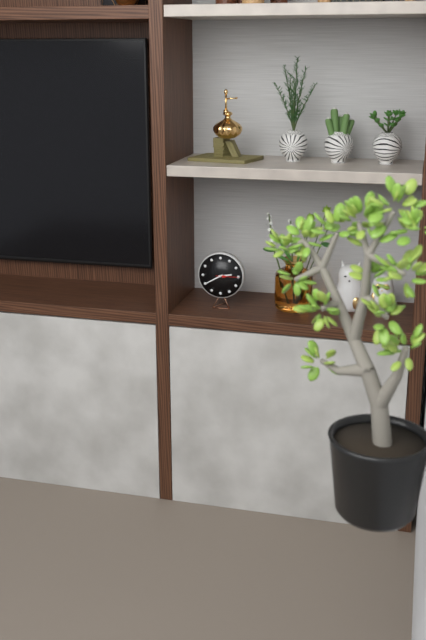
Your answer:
2 h 40 min
